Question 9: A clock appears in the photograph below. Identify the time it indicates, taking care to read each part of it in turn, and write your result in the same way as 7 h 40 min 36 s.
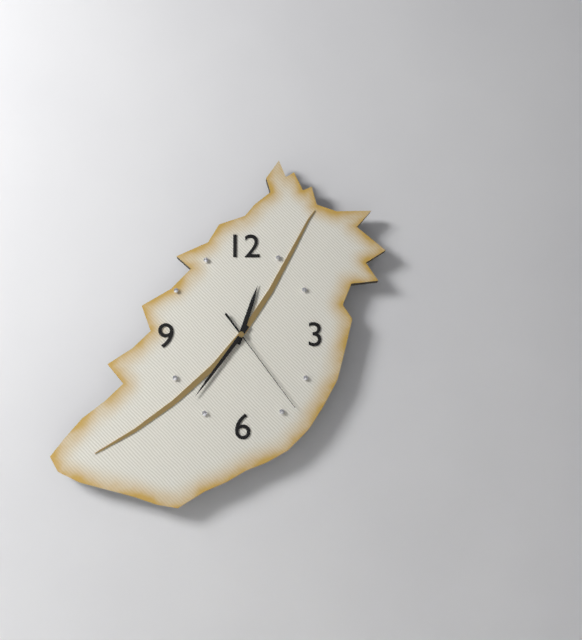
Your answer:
12 h 36 min 24 s
